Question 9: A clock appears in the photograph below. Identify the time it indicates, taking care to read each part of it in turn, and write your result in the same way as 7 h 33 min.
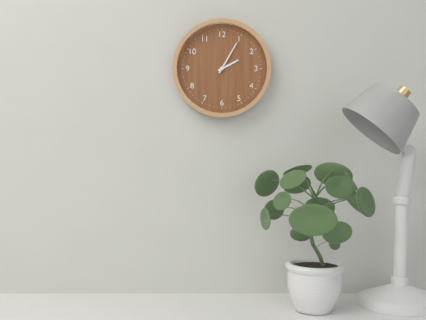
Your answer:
2 h 05 min
